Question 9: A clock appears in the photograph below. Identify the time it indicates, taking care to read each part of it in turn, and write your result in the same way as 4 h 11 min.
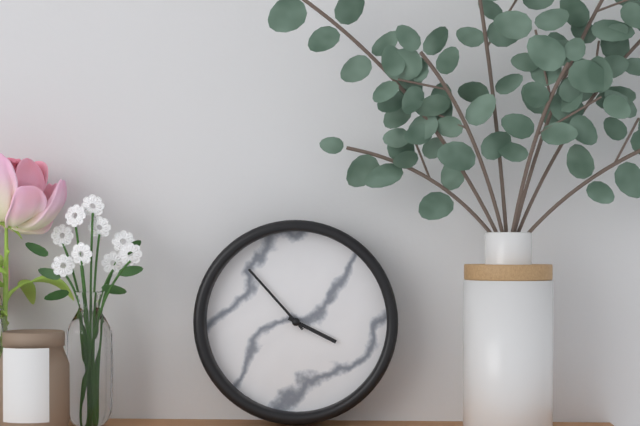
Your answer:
3 h 53 min
